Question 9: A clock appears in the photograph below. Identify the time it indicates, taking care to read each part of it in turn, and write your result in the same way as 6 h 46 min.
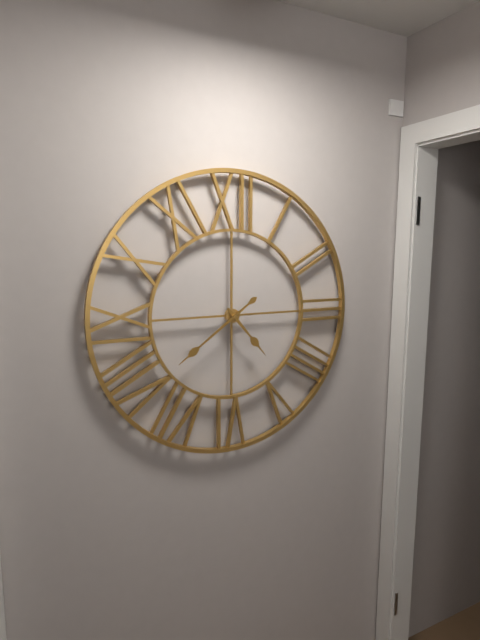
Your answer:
4 h 39 min
